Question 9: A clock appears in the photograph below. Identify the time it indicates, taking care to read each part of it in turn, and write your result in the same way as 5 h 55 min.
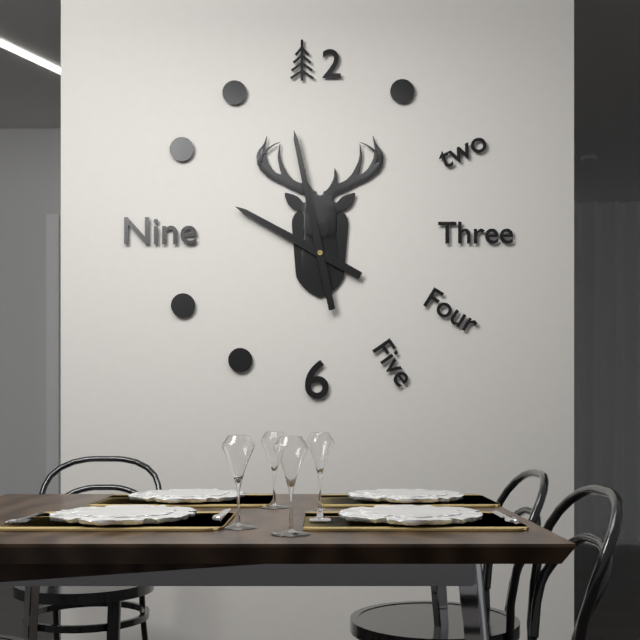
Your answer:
9 h 58 min
